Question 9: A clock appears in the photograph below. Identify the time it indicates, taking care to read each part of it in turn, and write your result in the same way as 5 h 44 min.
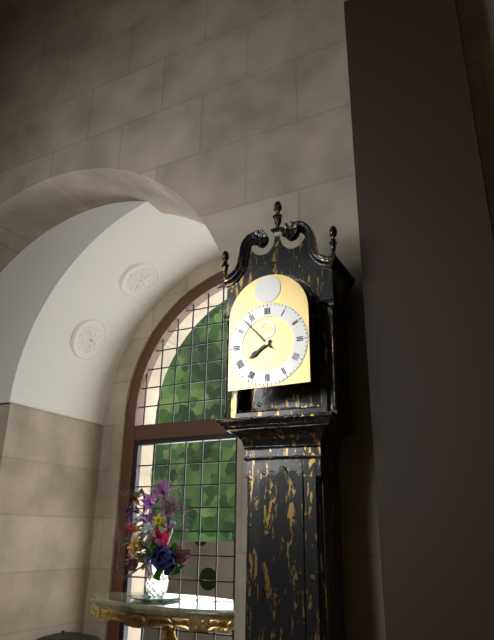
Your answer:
7 h 53 min
